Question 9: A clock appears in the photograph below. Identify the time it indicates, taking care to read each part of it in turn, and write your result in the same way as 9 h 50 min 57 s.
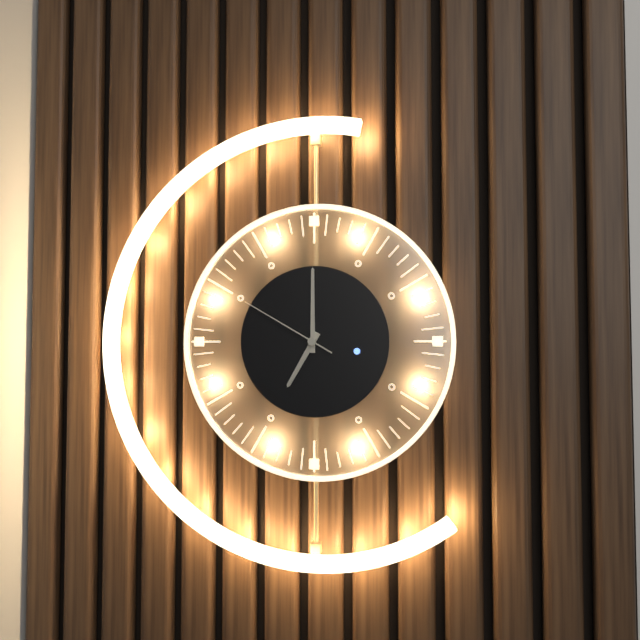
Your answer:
7 h 00 min 50 s
